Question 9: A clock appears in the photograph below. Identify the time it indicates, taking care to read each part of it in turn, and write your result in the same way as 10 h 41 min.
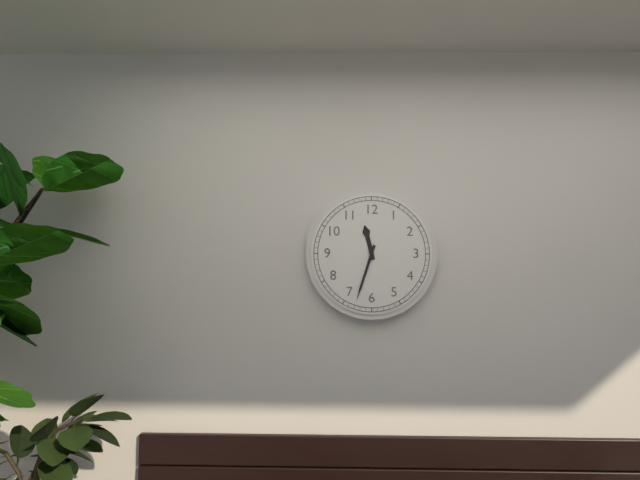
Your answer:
11 h 33 min
